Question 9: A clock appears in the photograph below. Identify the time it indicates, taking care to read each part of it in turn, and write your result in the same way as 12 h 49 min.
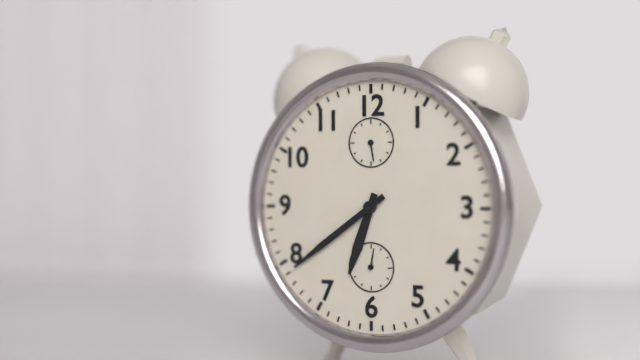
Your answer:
6 h 39 min
